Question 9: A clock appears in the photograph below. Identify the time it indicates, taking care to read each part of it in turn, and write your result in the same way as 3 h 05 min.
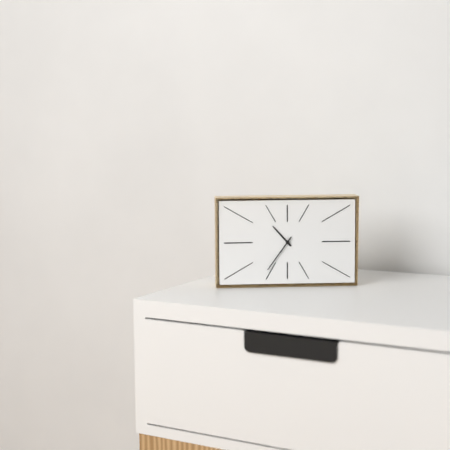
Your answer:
10 h 36 min
